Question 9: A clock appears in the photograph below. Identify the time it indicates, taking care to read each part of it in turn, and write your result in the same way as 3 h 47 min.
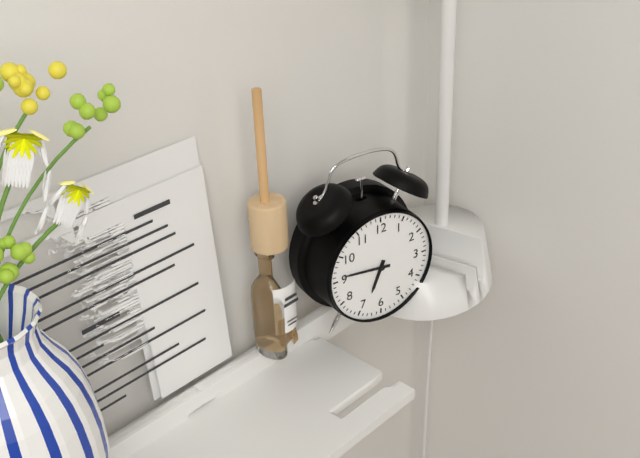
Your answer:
6 h 46 min
